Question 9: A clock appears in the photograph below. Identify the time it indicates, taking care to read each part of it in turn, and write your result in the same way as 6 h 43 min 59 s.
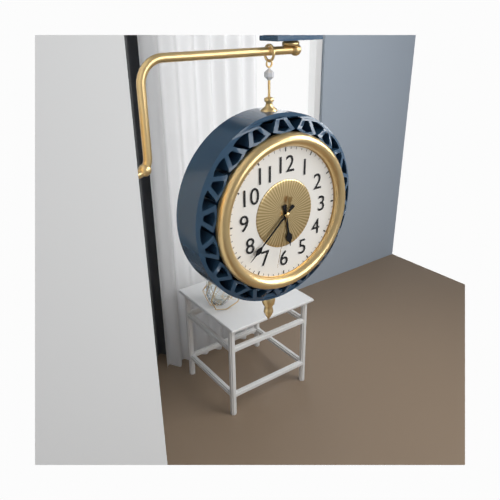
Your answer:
5 h 38 min 32 s
